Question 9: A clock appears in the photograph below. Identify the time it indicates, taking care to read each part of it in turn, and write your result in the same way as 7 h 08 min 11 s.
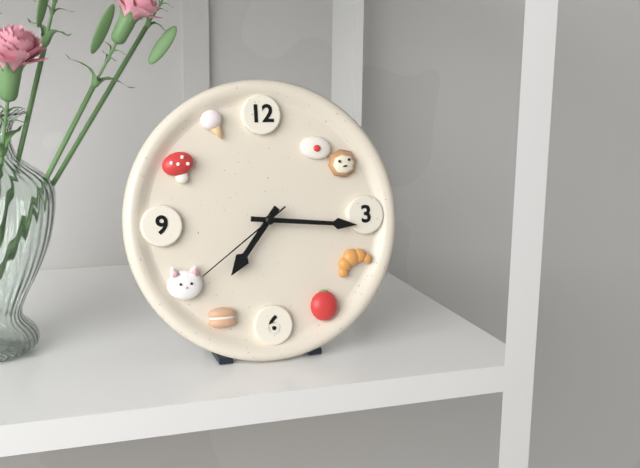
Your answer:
7 h 16 min 39 s
